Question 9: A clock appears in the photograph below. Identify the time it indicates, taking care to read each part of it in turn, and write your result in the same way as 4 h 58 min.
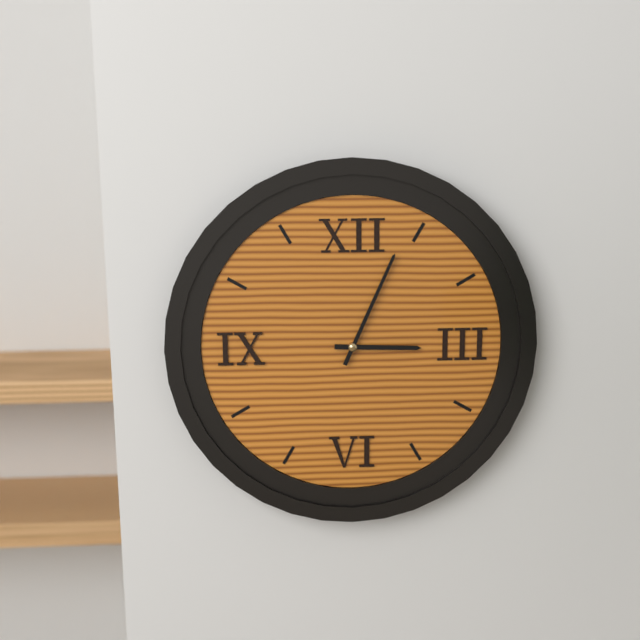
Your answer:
3 h 04 min
